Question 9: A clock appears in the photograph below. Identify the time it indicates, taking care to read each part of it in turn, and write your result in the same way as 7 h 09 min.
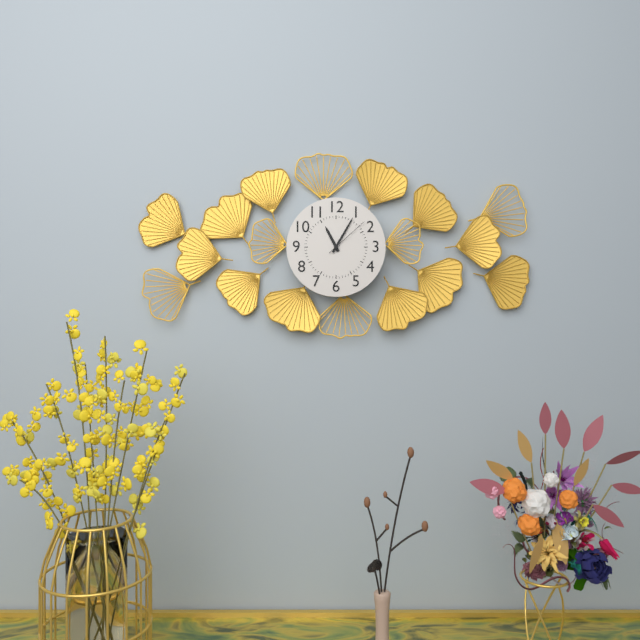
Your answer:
11 h 05 min
